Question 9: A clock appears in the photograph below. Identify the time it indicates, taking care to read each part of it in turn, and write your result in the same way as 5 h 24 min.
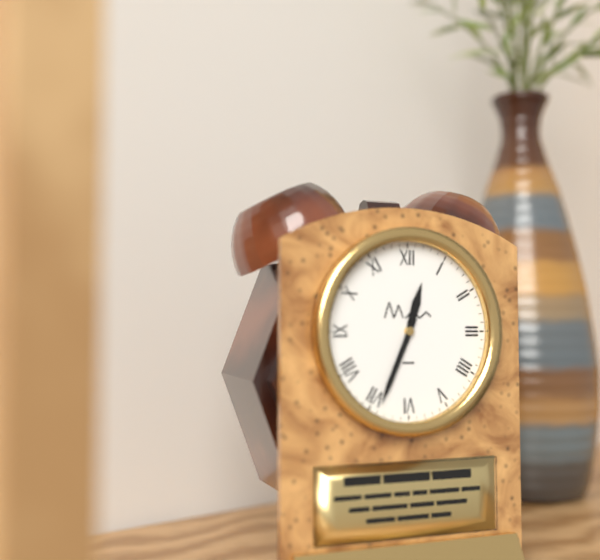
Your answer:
12 h 34 min
